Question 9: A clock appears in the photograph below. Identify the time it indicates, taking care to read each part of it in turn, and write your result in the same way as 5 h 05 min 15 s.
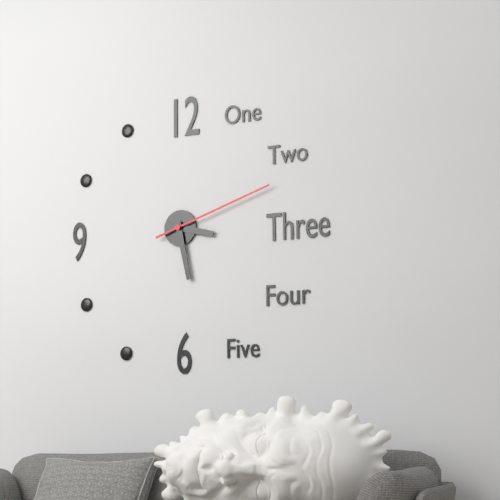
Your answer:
3 h 28 min 12 s
